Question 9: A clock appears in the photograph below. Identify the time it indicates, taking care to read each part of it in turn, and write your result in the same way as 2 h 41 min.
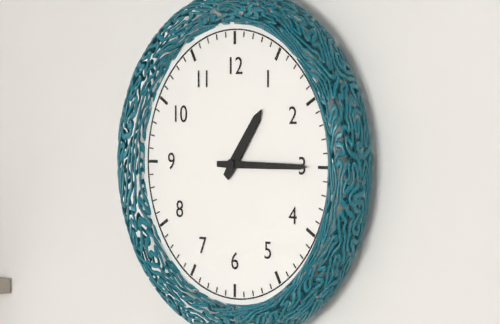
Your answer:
1 h 15 min
